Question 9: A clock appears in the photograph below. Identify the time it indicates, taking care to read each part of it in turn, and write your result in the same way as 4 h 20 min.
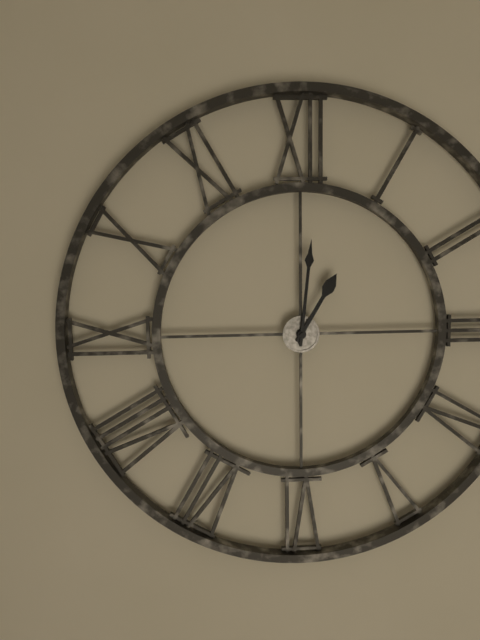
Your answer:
1 h 01 min
